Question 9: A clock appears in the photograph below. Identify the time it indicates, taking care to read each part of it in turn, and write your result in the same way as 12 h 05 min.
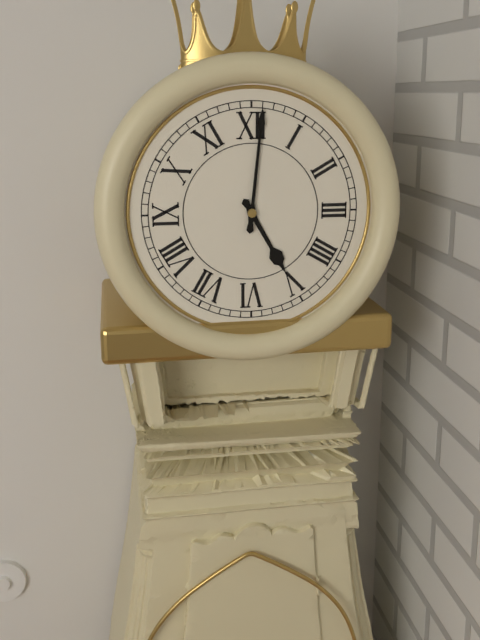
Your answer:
5 h 01 min
